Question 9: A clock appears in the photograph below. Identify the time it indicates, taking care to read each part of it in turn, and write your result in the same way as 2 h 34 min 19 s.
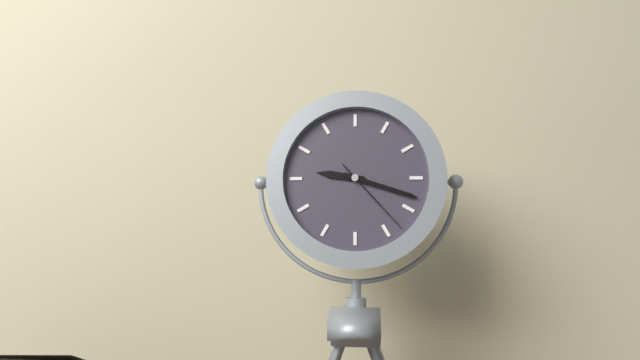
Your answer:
9 h 18 min 23 s
